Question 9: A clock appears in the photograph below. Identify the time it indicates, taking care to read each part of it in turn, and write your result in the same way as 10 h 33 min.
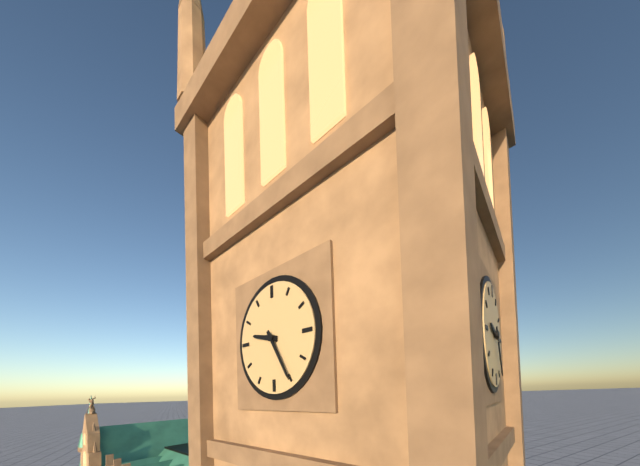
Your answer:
9 h 25 min
